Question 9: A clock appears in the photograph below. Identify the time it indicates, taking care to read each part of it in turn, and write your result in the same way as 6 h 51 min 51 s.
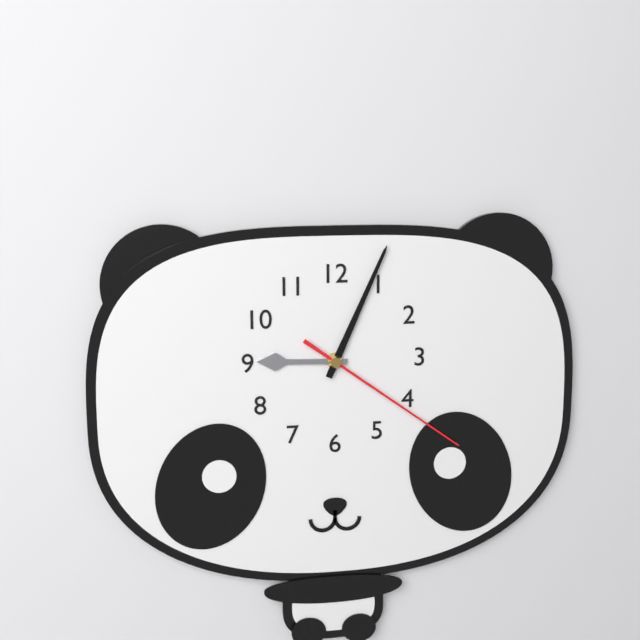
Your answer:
9 h 04 min 21 s
